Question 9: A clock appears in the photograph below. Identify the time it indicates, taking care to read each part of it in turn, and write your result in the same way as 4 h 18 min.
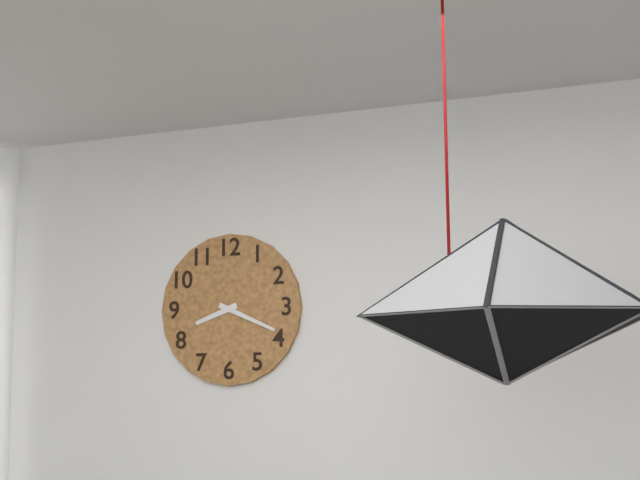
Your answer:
8 h 19 min
